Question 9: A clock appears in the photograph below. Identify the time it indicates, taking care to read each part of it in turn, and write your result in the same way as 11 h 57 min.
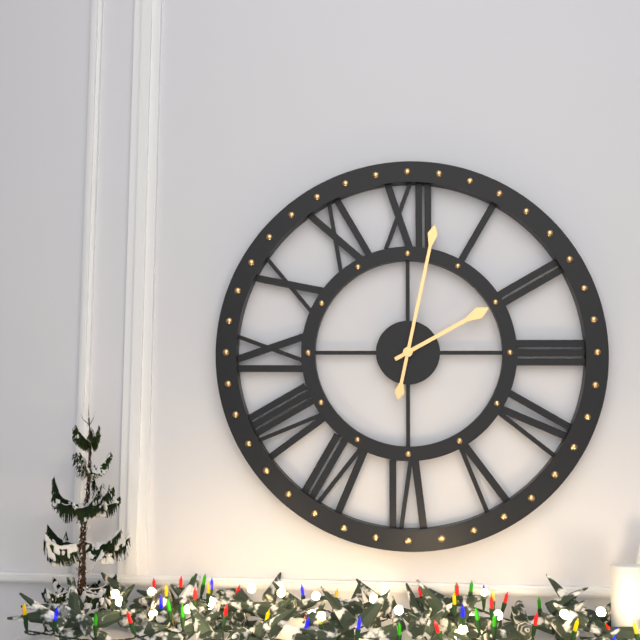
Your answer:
2 h 02 min
